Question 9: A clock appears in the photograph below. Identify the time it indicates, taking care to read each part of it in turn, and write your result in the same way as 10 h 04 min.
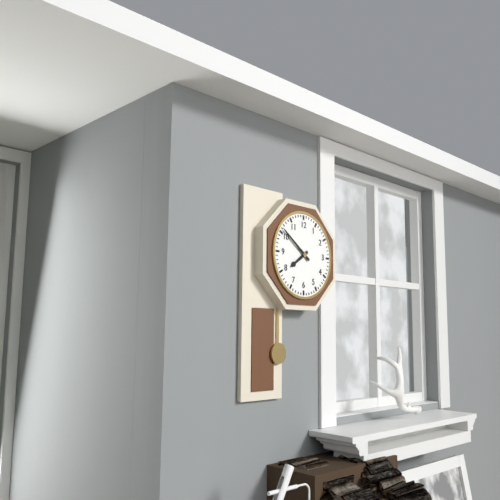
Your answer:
7 h 51 min
